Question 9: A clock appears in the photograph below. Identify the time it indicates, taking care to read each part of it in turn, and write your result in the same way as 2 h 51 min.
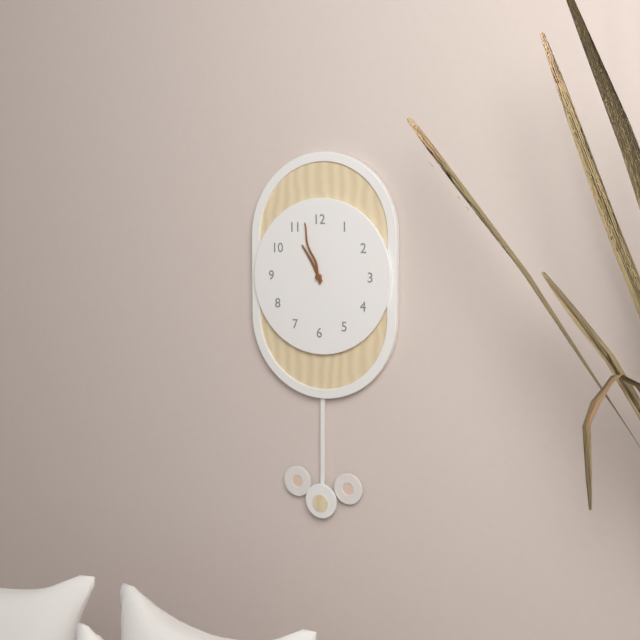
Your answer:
10 h 57 min
